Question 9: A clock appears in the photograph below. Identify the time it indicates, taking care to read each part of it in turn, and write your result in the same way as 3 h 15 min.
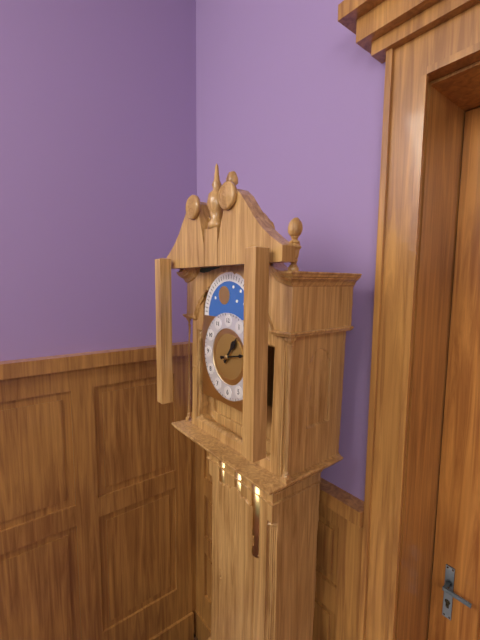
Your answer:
1 h 13 min
